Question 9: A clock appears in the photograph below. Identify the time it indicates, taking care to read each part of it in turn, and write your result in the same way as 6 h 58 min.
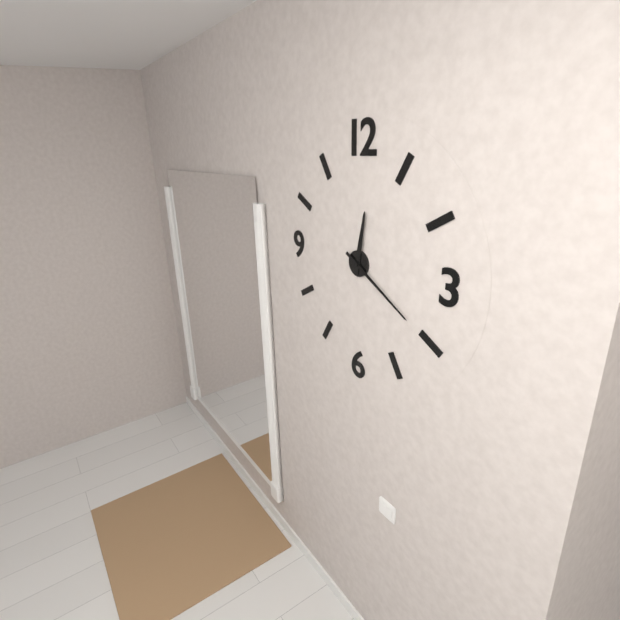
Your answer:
12 h 20 min
